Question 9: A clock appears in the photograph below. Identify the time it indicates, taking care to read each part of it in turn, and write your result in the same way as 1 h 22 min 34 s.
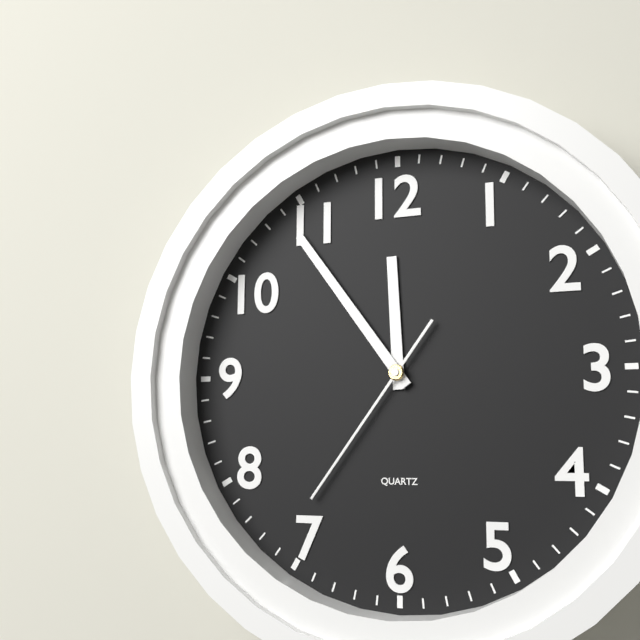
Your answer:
11 h 54 min 36 s
